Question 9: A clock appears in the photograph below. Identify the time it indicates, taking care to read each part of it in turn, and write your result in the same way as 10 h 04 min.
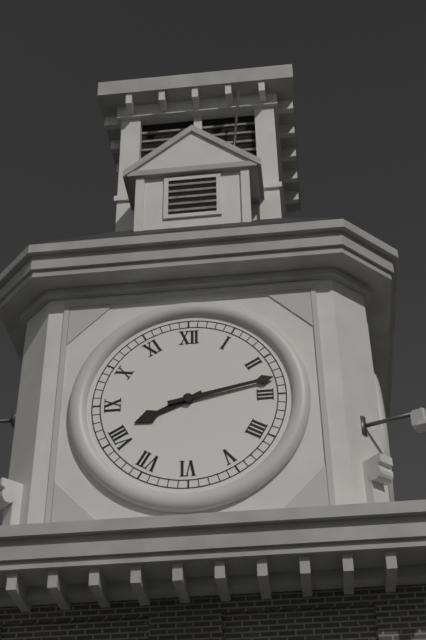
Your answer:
8 h 13 min
